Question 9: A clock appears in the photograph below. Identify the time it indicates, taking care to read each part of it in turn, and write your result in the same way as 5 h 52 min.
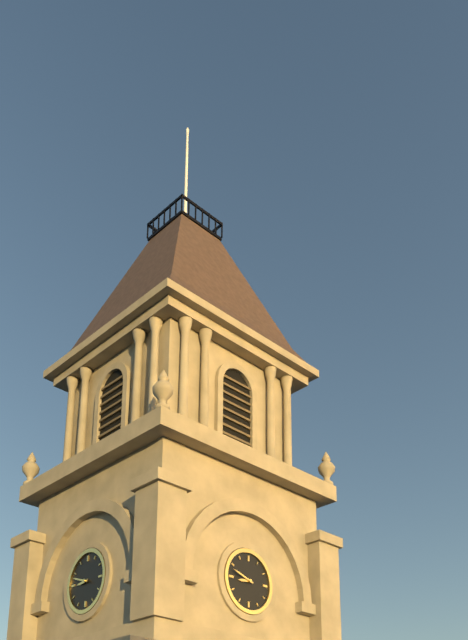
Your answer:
8 h 48 min
